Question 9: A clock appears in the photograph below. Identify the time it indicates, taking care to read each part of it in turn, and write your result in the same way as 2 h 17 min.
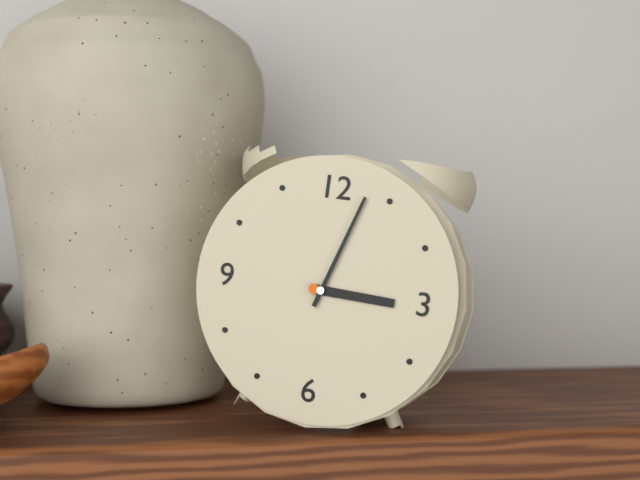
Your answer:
3 h 03 min
